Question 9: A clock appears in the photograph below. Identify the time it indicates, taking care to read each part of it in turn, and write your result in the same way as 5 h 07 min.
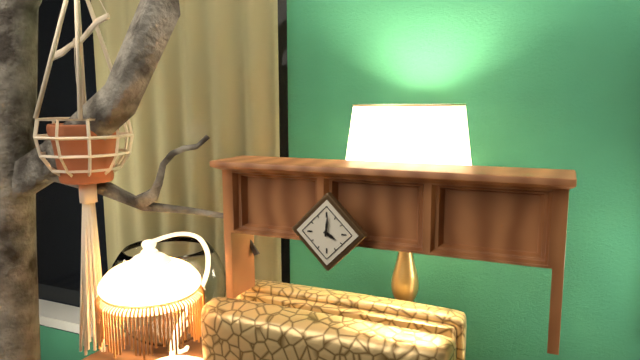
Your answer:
4 h 01 min
